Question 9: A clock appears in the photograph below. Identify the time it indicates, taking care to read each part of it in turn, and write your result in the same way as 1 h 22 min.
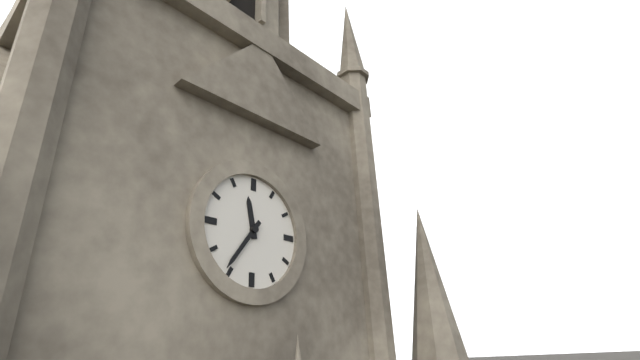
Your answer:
11 h 36 min
